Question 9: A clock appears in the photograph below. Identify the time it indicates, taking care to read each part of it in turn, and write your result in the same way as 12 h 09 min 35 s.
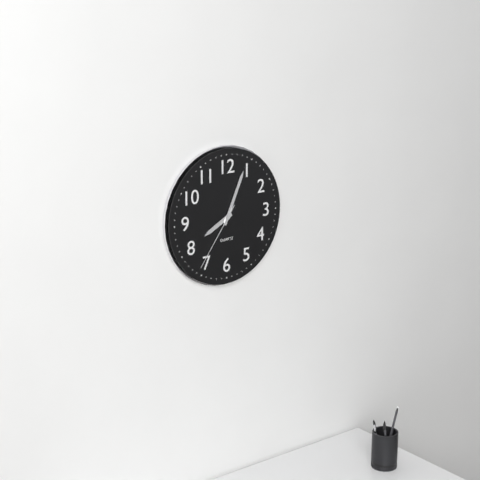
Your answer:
8 h 04 min 36 s
